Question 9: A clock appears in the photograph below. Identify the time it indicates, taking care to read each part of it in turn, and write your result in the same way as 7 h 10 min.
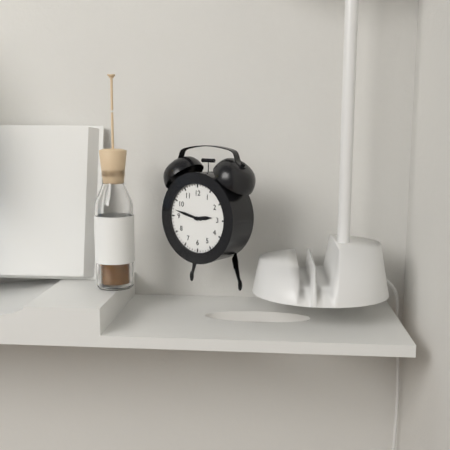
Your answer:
2 h 47 min
